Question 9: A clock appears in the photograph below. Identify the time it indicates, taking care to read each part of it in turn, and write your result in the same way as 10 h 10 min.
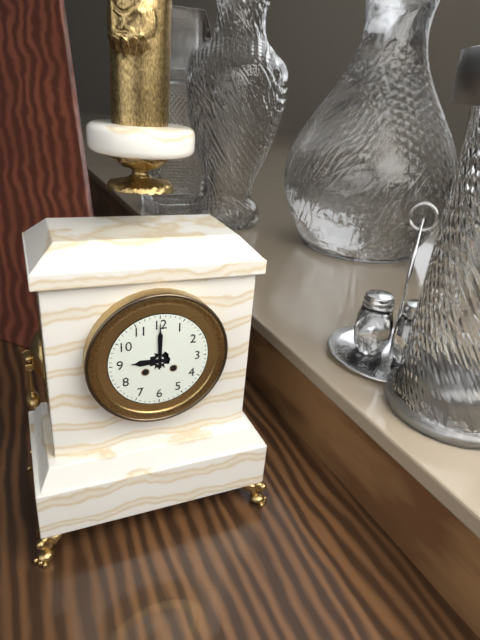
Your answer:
9 h 00 min
